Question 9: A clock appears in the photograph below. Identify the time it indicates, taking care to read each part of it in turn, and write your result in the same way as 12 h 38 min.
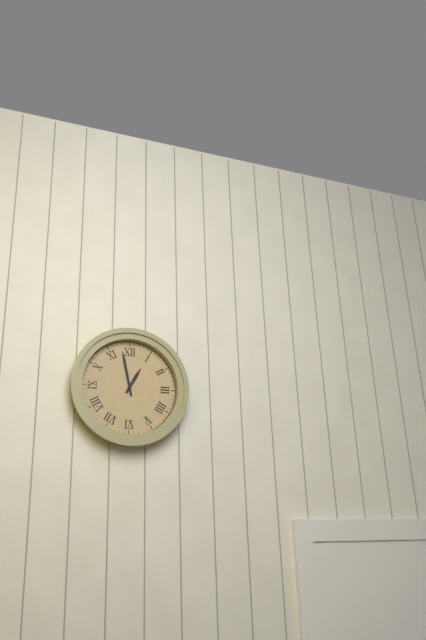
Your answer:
12 h 58 min
